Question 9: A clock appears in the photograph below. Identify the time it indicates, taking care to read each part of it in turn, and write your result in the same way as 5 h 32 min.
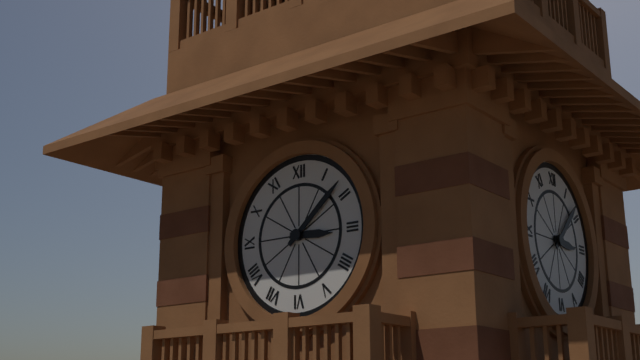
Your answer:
3 h 08 min
